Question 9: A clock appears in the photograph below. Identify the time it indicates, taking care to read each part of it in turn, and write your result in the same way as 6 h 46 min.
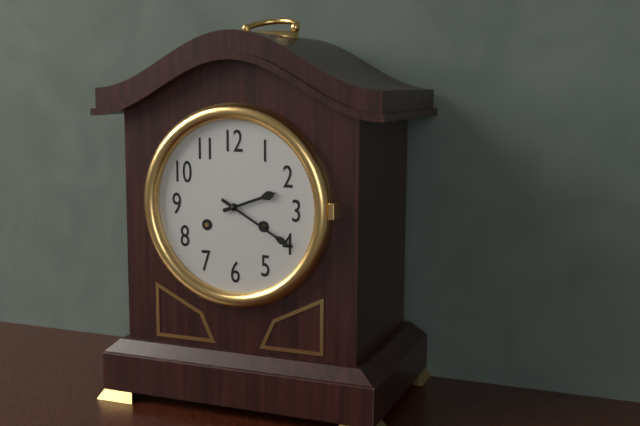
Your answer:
2 h 20 min
